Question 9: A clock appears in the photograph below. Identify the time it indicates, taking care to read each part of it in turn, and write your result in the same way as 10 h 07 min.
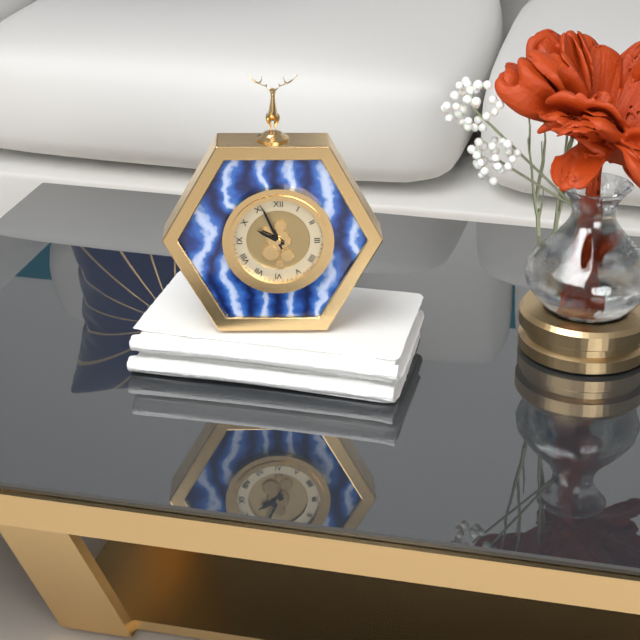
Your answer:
9 h 56 min
